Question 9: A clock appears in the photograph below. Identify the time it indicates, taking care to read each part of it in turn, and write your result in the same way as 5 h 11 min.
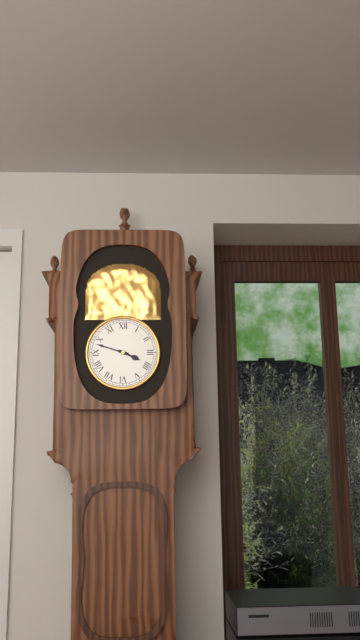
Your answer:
3 h 48 min
